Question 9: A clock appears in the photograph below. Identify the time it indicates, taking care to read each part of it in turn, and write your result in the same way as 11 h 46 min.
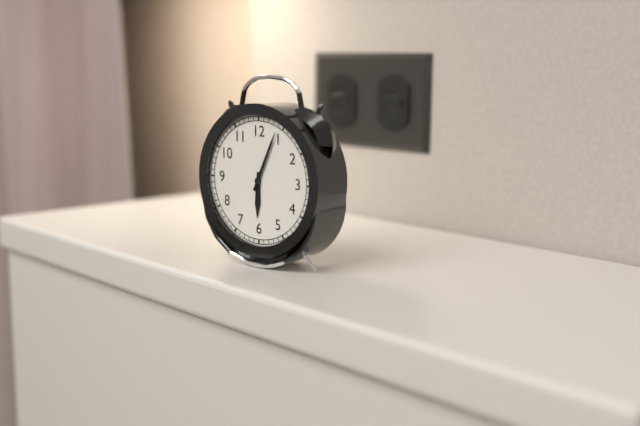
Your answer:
6 h 04 min
